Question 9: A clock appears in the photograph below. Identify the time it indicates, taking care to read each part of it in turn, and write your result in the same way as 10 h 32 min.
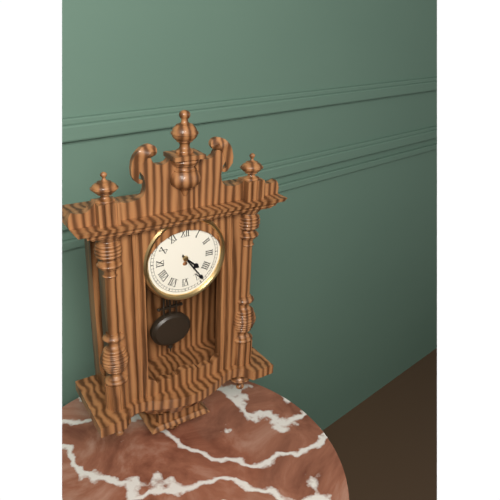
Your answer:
4 h 24 min
